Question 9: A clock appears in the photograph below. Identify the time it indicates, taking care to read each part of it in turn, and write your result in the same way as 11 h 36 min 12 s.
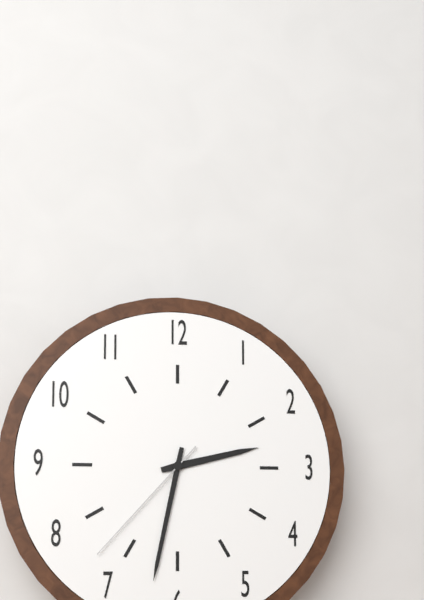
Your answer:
2 h 32 min 37 s
